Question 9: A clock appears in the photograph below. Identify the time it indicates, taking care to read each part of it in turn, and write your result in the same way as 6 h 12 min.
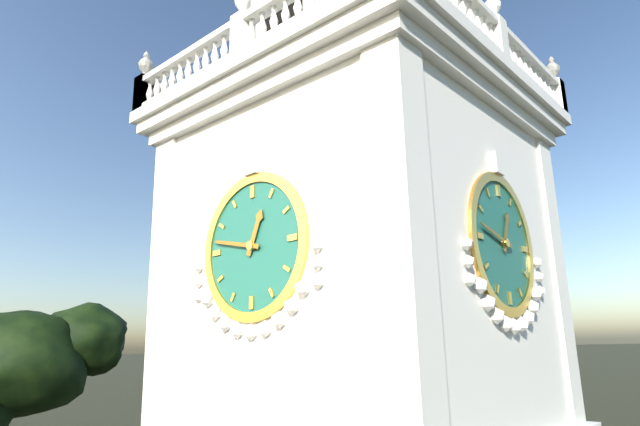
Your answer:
12 h 47 min
